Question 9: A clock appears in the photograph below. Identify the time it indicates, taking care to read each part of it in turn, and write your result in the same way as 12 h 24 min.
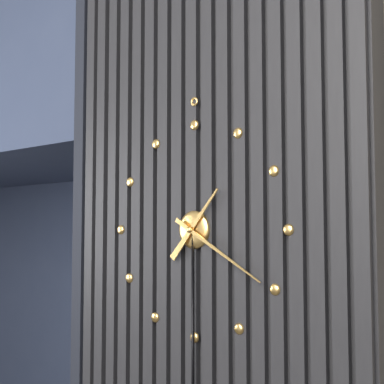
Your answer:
1 h 20 min
